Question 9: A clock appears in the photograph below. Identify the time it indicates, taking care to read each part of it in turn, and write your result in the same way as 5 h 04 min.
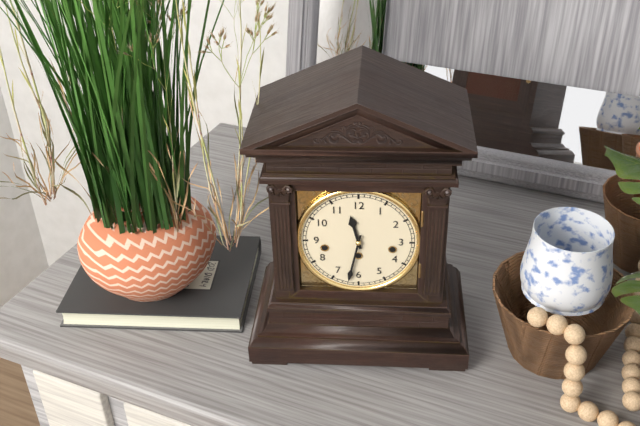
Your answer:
11 h 32 min
